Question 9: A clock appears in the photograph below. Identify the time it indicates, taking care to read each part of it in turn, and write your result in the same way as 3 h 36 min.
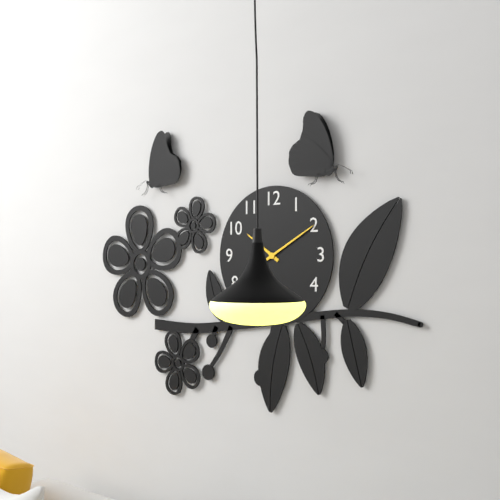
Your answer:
10 h 10 min
